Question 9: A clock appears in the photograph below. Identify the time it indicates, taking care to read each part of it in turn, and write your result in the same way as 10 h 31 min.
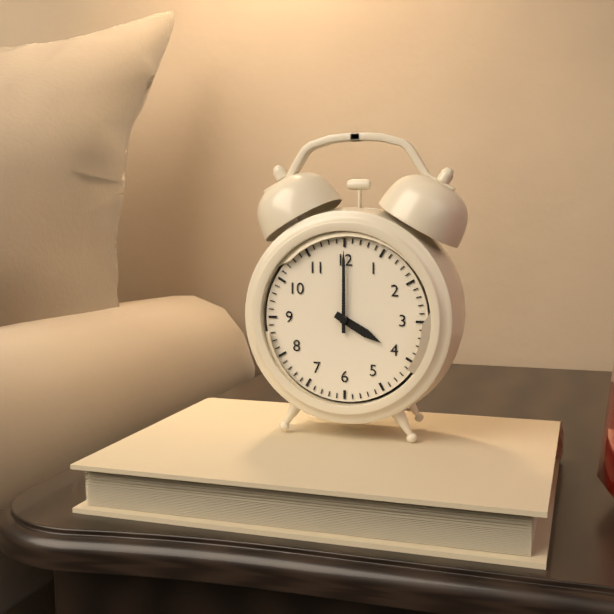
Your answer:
4 h 00 min
